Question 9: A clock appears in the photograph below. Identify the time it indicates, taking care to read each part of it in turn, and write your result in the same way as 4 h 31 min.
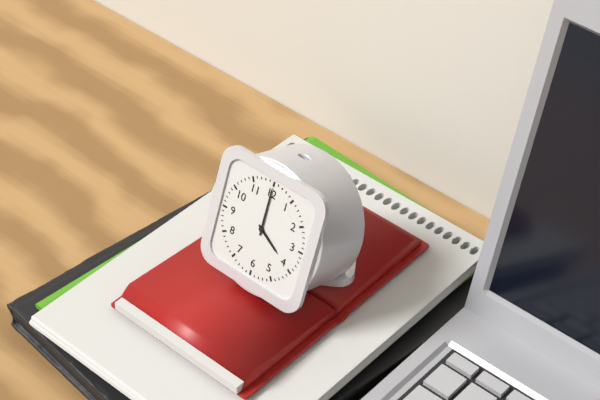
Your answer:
4 h 00 min
